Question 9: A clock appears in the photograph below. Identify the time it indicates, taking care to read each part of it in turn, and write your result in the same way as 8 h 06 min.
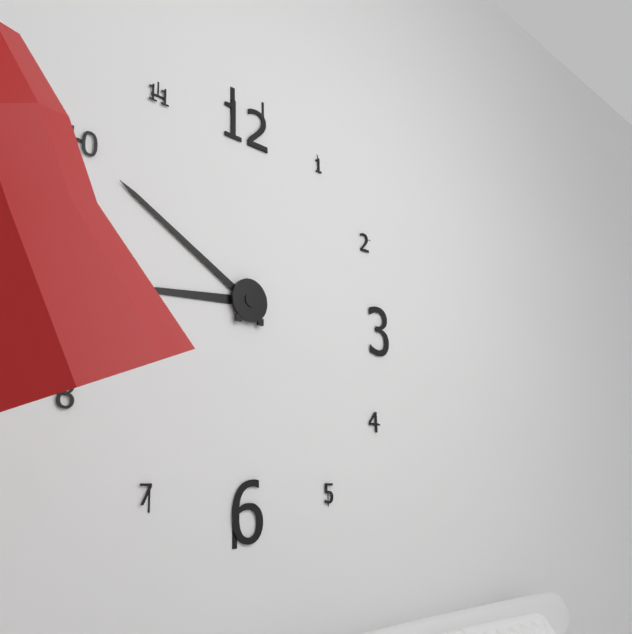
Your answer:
8 h 50 min
